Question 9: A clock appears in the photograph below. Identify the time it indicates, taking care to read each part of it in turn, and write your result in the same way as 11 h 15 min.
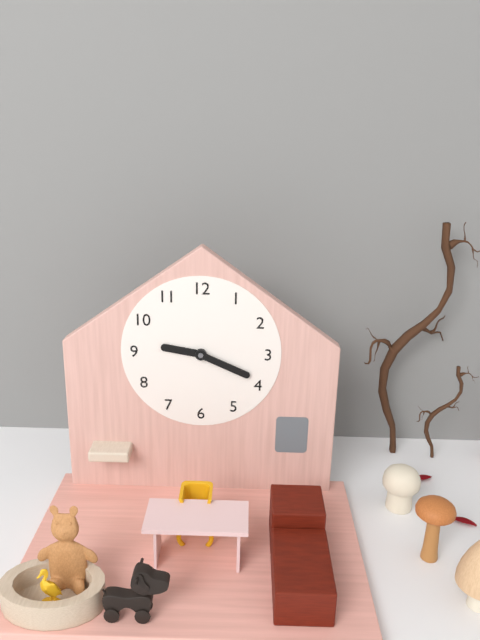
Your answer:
9 h 19 min
